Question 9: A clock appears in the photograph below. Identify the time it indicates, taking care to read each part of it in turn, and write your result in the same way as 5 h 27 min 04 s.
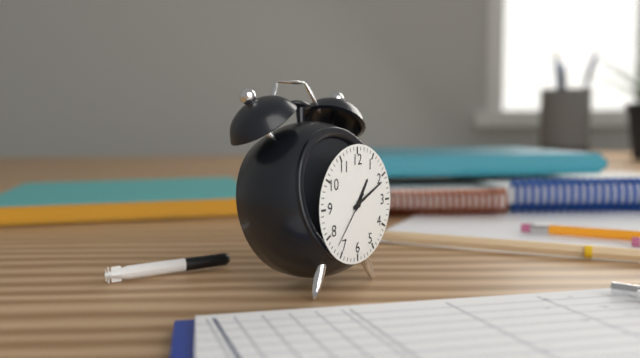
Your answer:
1 h 11 min 37 s
